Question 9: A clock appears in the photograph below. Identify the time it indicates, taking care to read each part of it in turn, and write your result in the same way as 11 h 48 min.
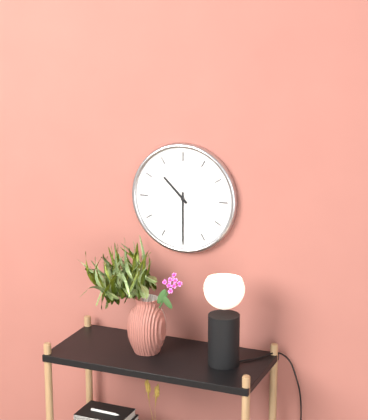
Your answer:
10 h 30 min
